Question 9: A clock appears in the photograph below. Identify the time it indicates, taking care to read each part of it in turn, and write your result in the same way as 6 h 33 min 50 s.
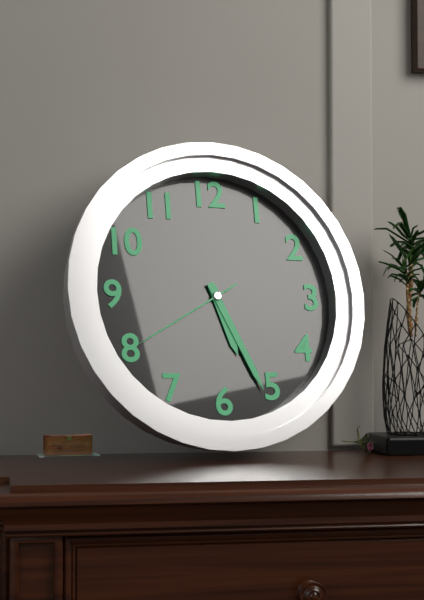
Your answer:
5 h 26 min 40 s
